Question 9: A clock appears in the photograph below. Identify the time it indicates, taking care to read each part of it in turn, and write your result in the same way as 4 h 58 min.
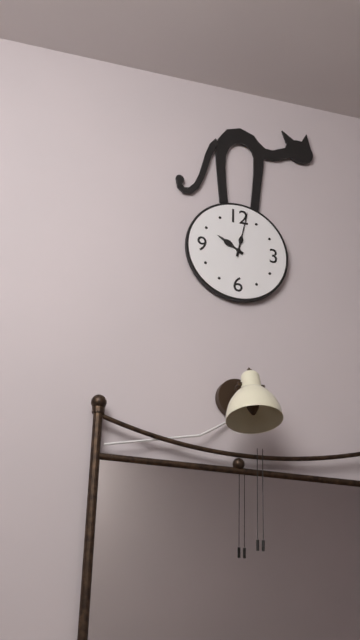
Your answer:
10 h 02 min
